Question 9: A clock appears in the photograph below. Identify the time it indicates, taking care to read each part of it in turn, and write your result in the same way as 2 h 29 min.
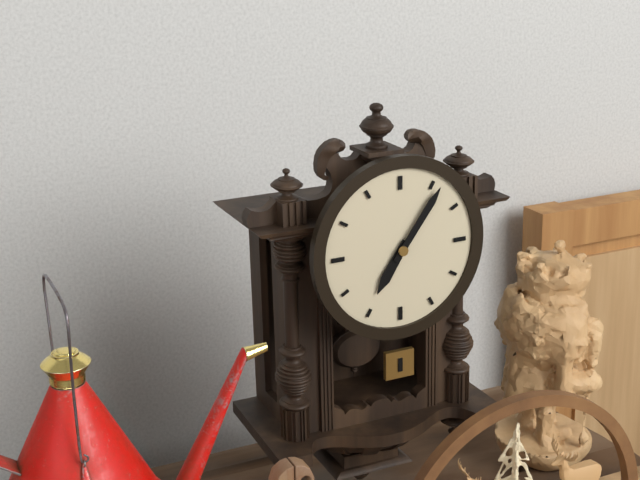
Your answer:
7 h 06 min
